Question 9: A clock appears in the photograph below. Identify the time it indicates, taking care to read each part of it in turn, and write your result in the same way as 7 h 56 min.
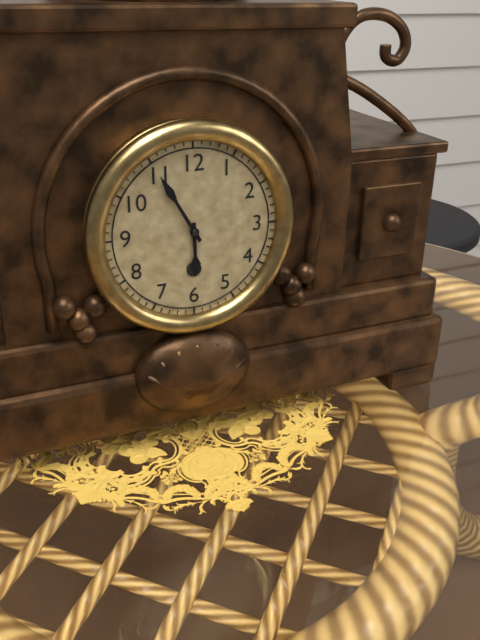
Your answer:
5 h 55 min
